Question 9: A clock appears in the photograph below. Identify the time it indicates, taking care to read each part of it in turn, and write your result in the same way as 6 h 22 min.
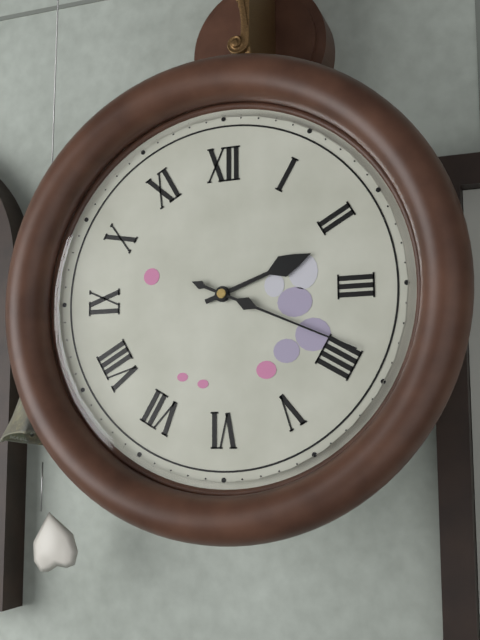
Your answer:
2 h 19 min
